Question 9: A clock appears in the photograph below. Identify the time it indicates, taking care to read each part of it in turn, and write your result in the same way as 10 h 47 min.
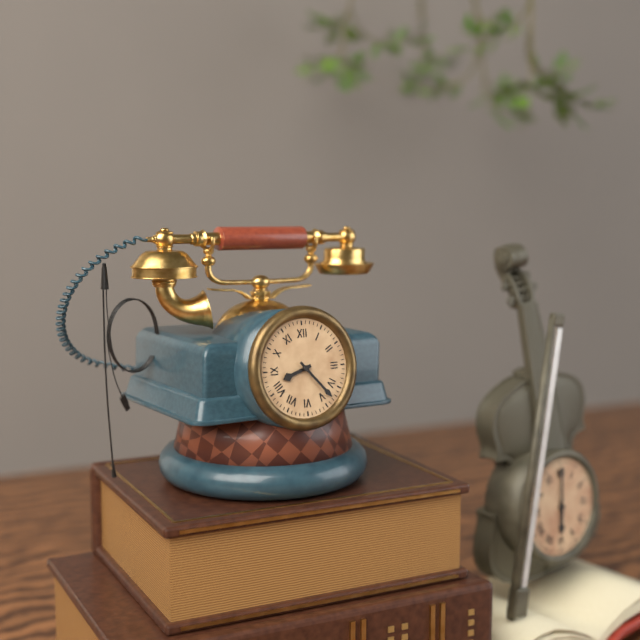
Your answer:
8 h 23 min
